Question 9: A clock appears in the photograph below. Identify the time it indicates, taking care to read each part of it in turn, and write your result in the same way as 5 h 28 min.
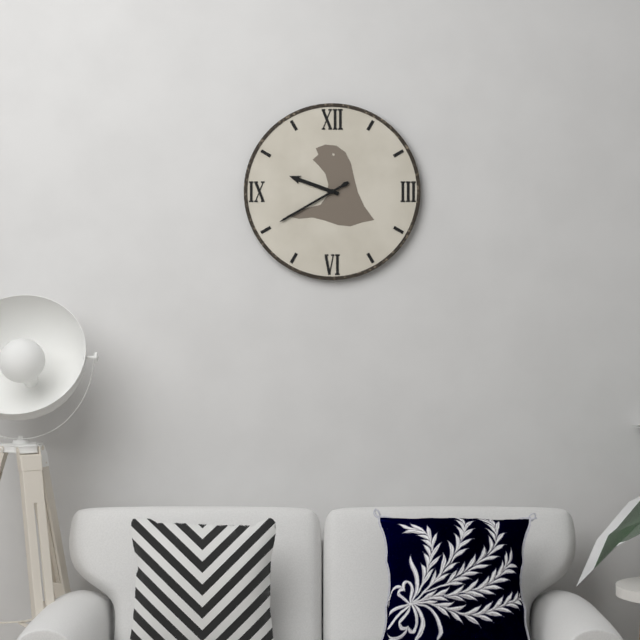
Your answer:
9 h 40 min
